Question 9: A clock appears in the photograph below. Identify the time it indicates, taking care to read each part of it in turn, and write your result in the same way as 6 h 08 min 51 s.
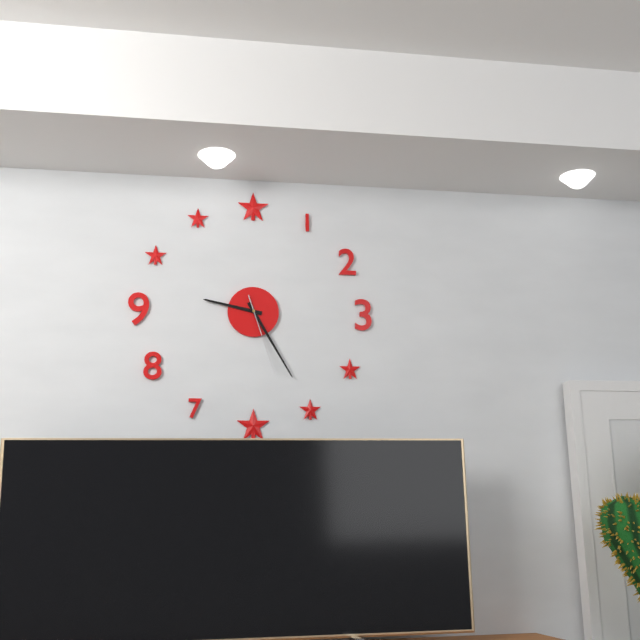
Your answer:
9 h 25 min 27 s
